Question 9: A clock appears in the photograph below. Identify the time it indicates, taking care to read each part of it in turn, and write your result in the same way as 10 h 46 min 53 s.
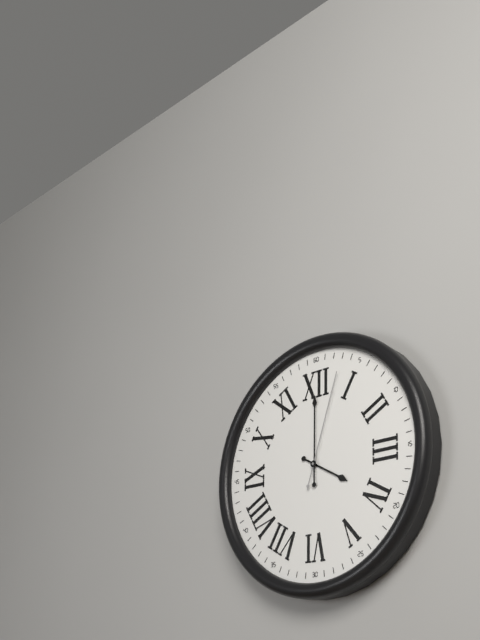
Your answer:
4 h 00 min 03 s
